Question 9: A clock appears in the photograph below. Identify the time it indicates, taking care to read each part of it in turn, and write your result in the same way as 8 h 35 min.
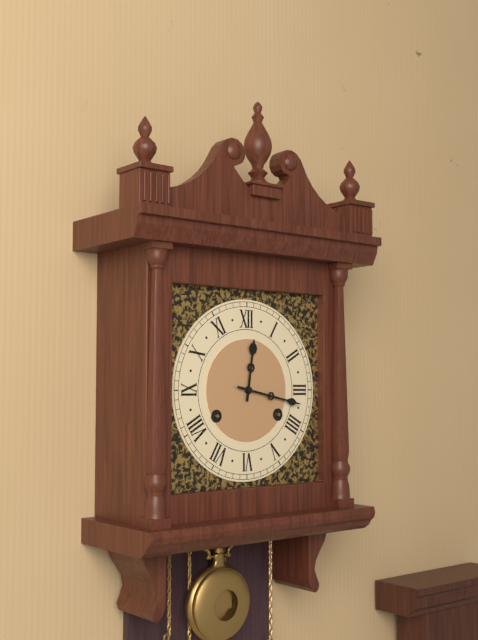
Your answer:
12 h 17 min
